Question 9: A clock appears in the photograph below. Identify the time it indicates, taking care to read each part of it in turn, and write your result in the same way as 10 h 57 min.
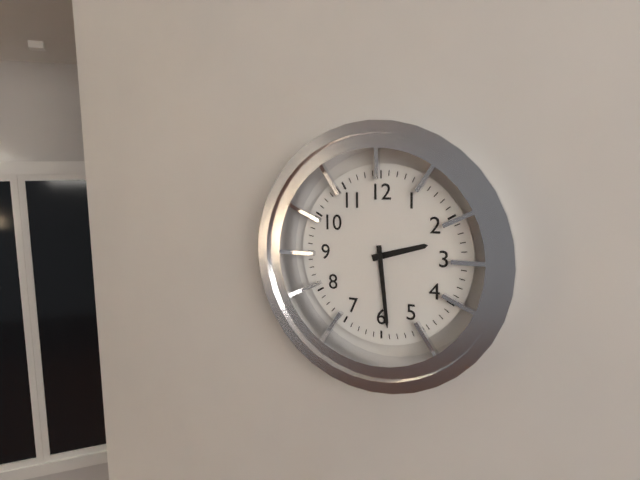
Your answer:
2 h 29 min
